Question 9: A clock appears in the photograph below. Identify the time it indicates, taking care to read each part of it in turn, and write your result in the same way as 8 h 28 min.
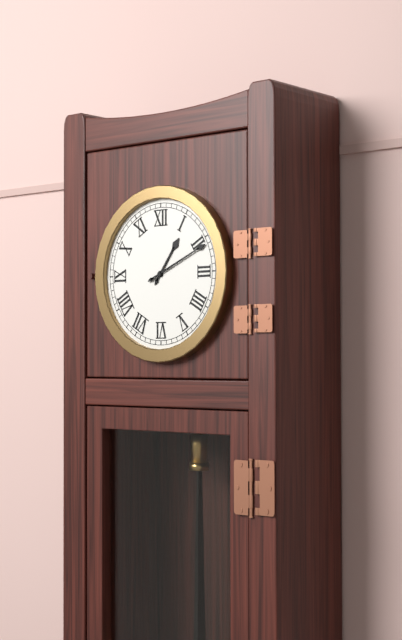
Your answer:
1 h 11 min
